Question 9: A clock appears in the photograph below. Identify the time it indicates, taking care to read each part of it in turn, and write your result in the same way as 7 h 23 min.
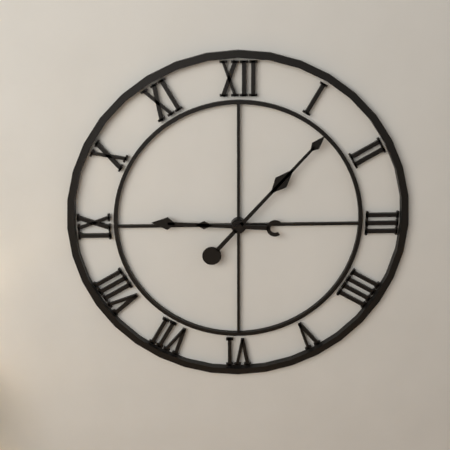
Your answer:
9 h 07 min
